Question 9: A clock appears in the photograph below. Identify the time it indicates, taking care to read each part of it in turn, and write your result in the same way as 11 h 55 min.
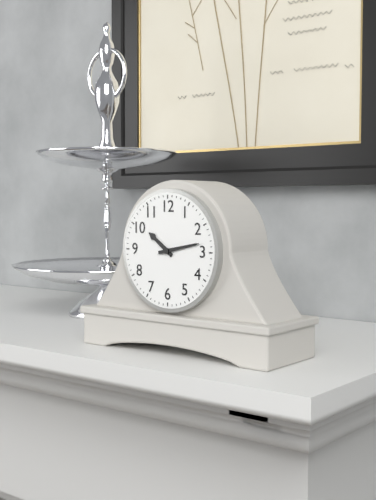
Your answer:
10 h 13 min
